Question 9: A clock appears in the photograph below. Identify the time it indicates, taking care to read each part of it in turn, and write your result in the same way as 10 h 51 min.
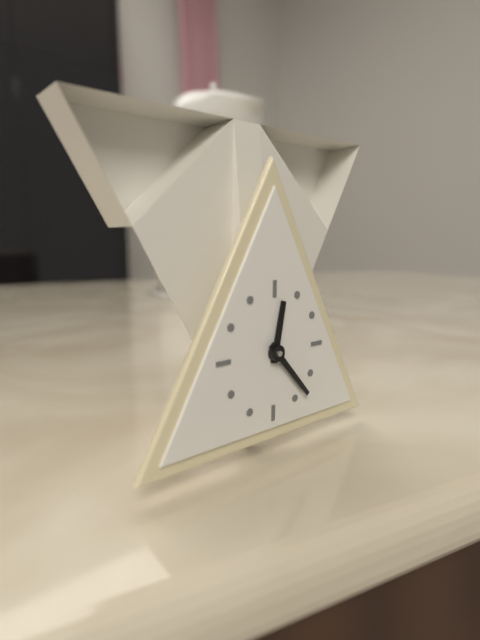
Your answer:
12 h 23 min
